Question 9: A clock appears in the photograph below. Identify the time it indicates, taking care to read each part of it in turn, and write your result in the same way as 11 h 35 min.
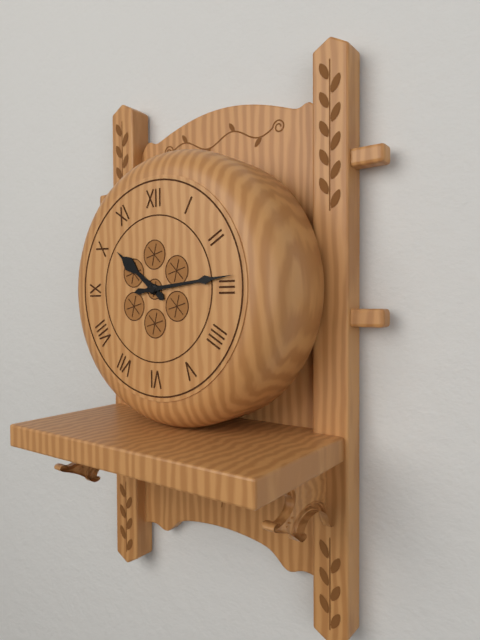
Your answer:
10 h 14 min
